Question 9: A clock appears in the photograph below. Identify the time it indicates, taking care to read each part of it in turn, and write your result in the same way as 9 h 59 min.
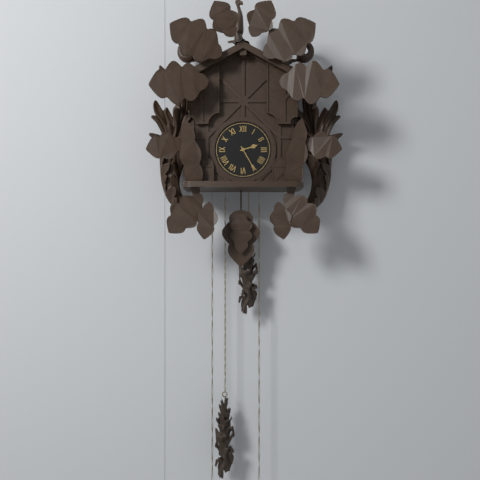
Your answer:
2 h 25 min
